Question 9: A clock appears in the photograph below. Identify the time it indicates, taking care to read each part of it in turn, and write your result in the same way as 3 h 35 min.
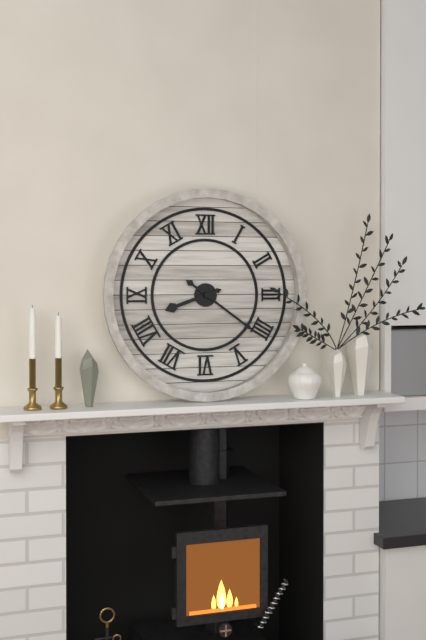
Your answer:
8 h 21 min
